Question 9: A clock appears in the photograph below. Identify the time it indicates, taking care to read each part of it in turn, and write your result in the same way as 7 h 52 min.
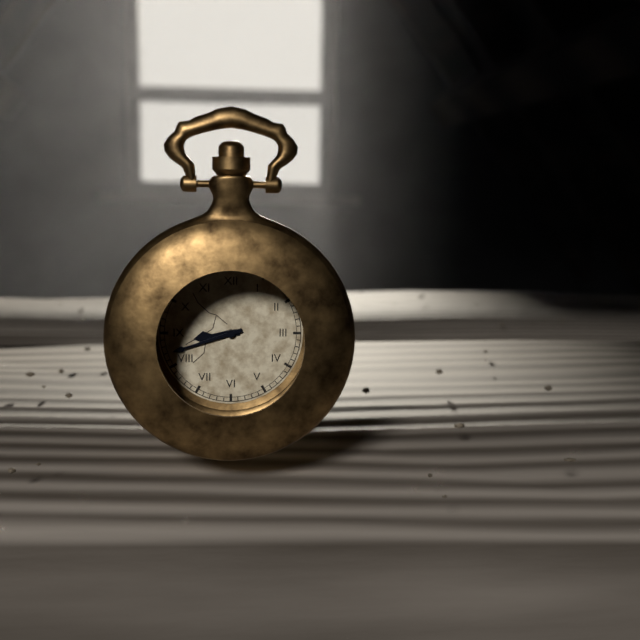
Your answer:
8 h 42 min
